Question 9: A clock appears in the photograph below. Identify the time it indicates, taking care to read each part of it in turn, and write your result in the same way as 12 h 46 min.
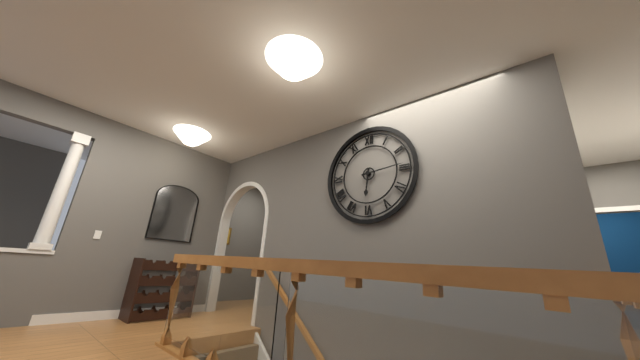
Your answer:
6 h 14 min
